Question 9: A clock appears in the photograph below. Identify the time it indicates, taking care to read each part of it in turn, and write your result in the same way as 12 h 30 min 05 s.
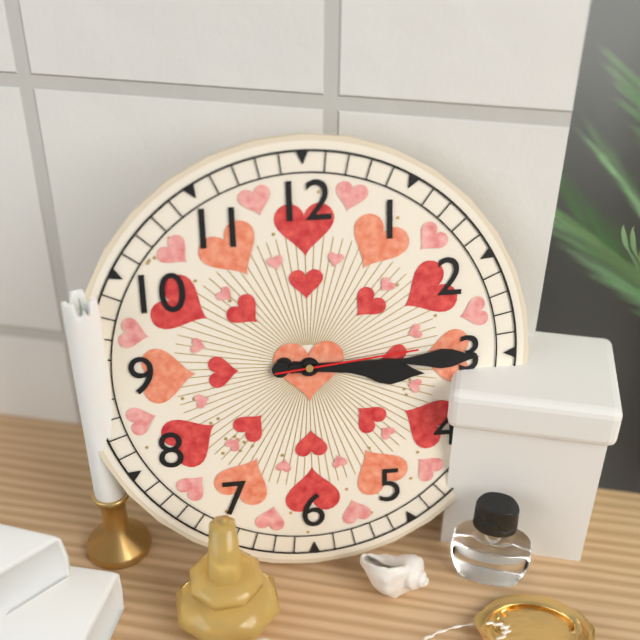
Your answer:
3 h 15 min 14 s
